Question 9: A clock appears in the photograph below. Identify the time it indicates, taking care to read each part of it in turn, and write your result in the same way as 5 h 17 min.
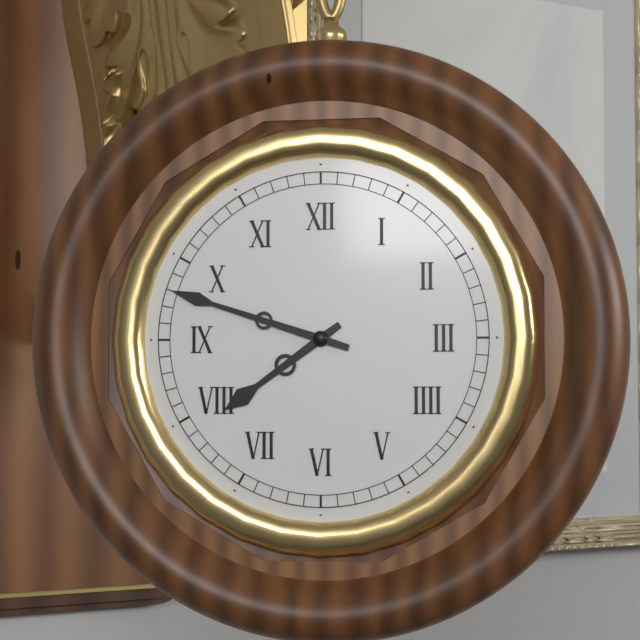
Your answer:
7 h 48 min
